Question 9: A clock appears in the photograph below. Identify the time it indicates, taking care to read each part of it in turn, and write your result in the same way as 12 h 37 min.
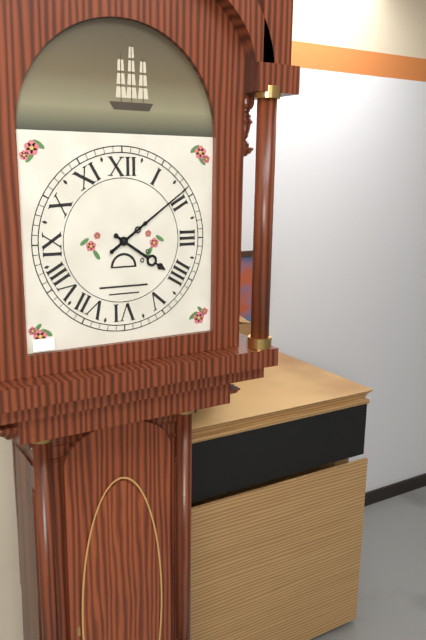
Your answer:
4 h 09 min
